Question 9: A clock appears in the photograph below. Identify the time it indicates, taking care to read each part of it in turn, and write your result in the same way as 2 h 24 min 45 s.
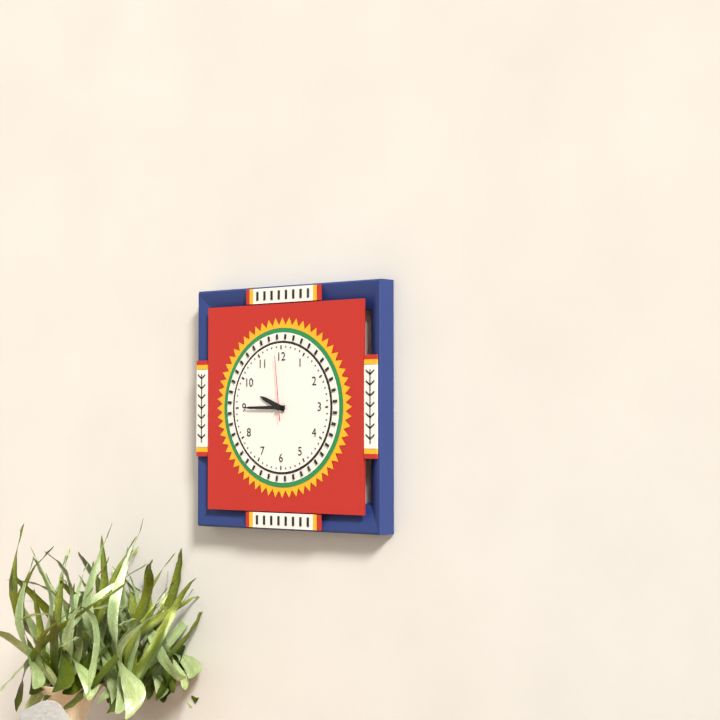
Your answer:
9 h 45 min 59 s
